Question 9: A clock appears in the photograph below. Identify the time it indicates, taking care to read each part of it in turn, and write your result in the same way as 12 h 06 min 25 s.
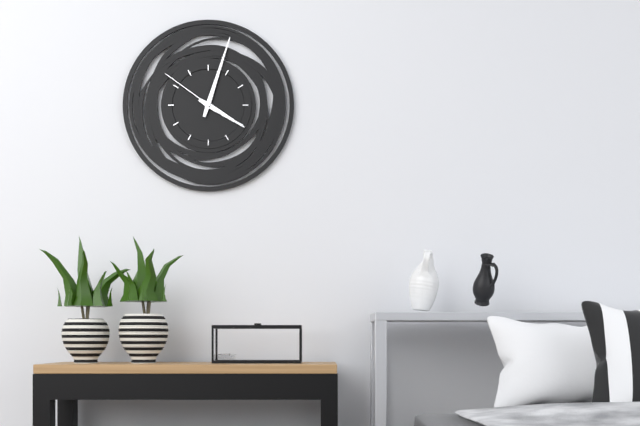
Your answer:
4 h 03 min 51 s
